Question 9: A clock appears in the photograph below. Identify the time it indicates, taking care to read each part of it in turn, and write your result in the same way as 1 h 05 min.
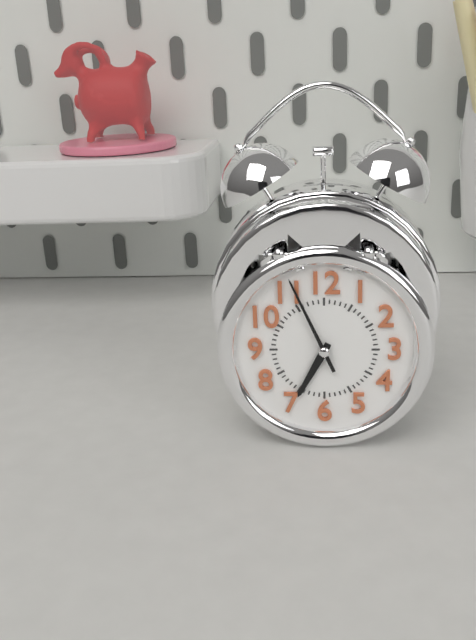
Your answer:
6 h 56 min
